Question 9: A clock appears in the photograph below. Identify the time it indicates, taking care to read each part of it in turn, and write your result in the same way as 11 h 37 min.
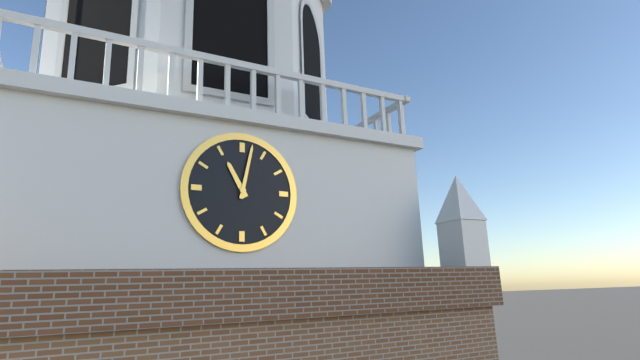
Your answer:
11 h 02 min
